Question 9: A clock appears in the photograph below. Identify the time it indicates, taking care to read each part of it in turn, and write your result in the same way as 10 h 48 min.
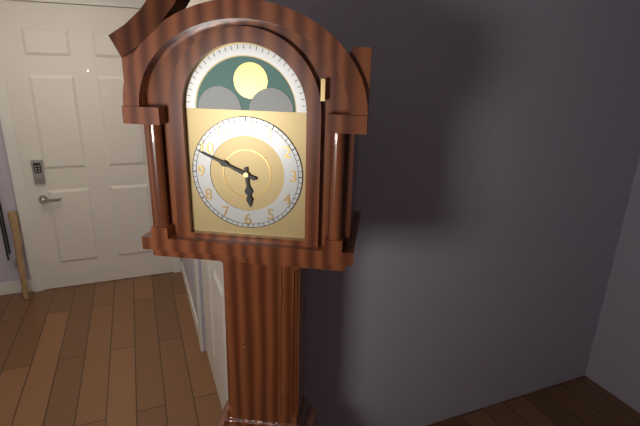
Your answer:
5 h 49 min
